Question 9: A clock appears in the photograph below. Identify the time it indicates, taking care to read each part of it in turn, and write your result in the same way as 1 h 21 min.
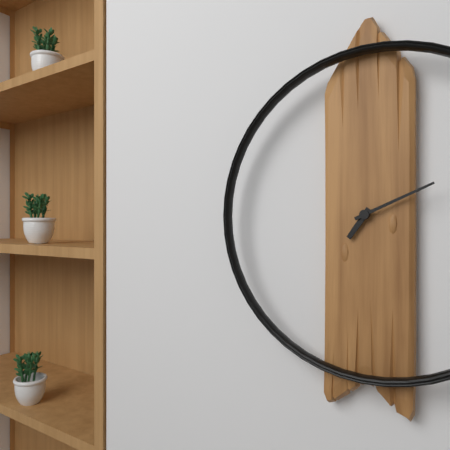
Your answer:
7 h 11 min
